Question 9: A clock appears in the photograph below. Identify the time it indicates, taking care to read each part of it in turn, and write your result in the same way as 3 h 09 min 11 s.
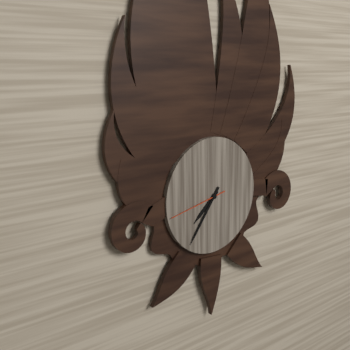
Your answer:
7 h 36 min 43 s
